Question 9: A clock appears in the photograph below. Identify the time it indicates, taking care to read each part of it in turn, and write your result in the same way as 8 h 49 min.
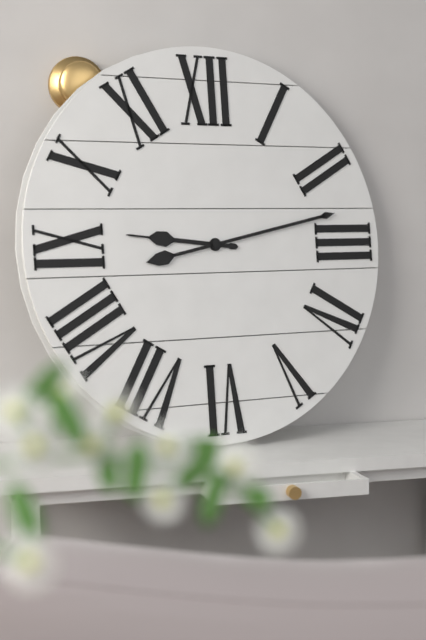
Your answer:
9 h 13 min
